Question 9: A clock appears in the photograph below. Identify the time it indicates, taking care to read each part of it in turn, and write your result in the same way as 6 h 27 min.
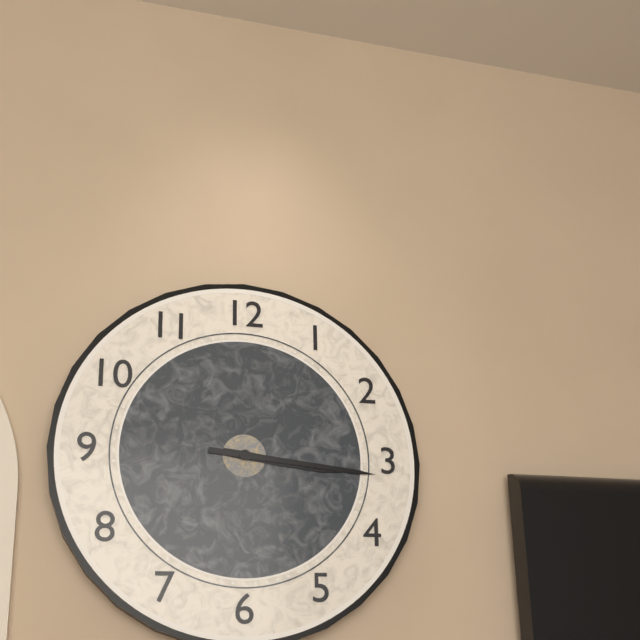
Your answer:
3 h 16 min
